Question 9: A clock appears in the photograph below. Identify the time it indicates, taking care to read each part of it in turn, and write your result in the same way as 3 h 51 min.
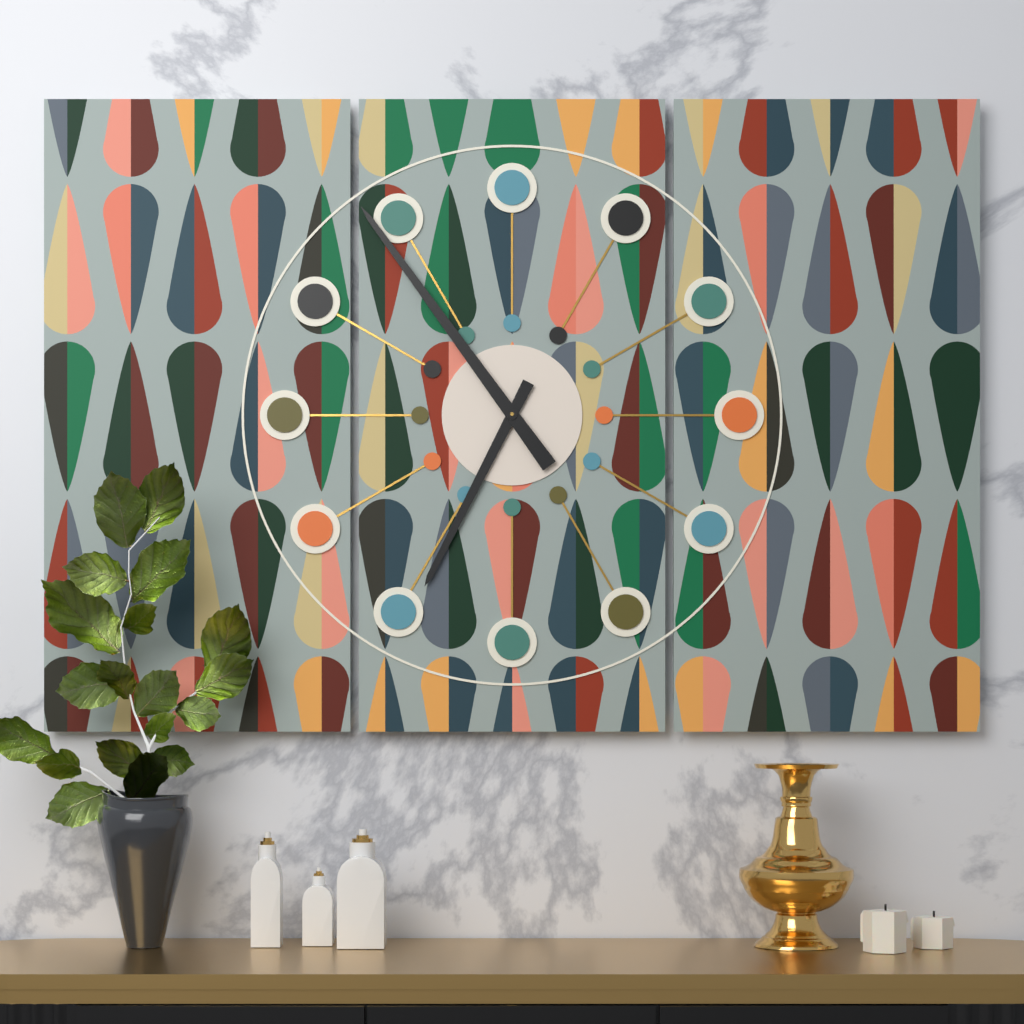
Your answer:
6 h 54 min
